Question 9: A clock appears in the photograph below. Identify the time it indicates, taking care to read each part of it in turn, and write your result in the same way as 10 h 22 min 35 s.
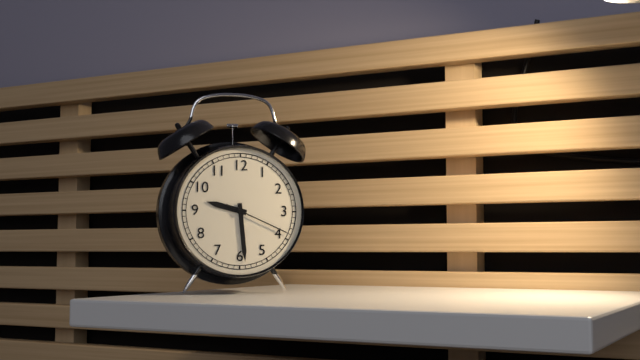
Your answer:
9 h 29 min 19 s
